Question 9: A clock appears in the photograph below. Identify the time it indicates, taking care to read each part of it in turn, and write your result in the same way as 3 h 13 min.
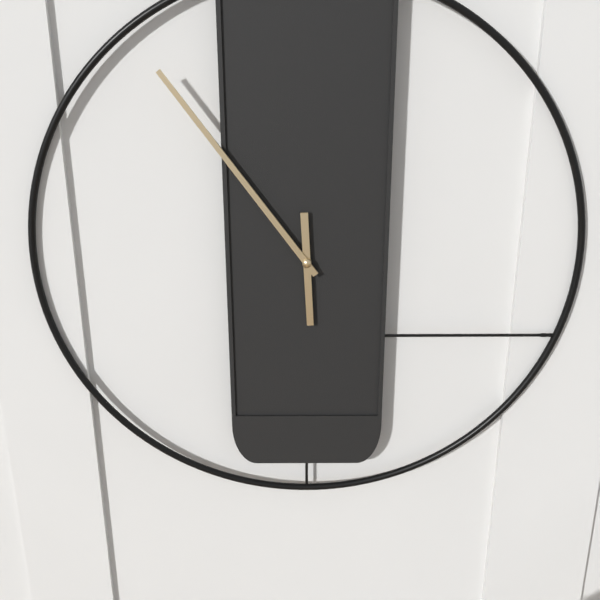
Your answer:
5 h 54 min
